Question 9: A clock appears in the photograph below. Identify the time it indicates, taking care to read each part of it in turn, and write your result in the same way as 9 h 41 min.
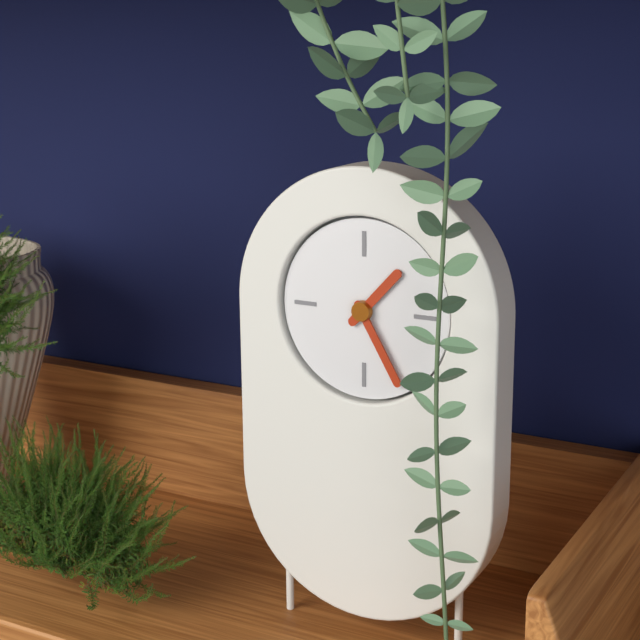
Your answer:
1 h 25 min
